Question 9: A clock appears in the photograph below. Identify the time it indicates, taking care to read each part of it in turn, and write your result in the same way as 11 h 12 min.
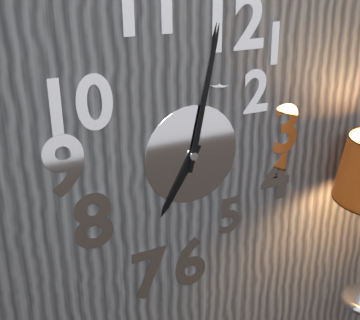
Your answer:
7 h 02 min
